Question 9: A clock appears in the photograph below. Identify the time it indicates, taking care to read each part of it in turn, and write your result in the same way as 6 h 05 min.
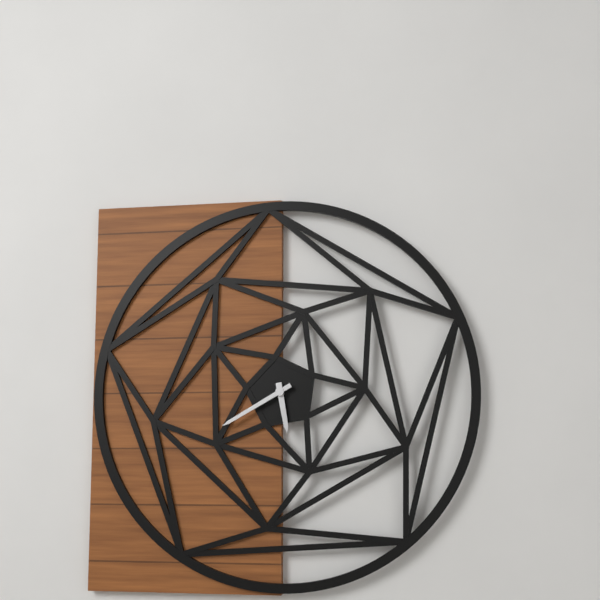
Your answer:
5 h 40 min
